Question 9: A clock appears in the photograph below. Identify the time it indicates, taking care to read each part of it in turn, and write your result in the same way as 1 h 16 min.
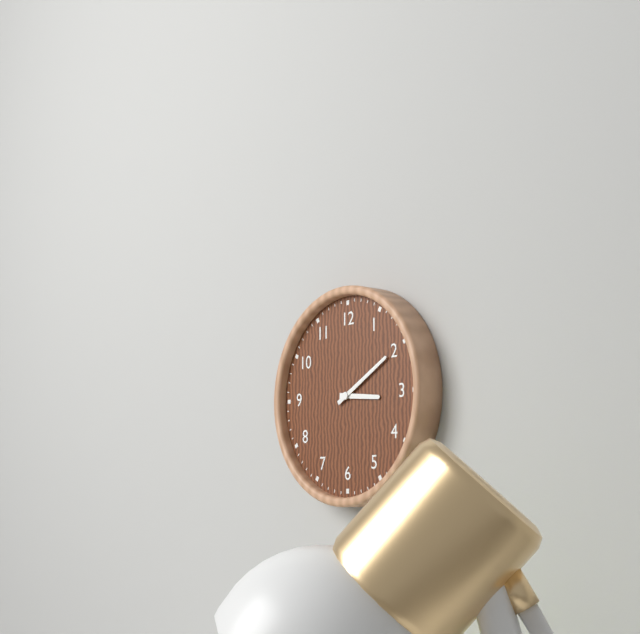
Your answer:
3 h 10 min
